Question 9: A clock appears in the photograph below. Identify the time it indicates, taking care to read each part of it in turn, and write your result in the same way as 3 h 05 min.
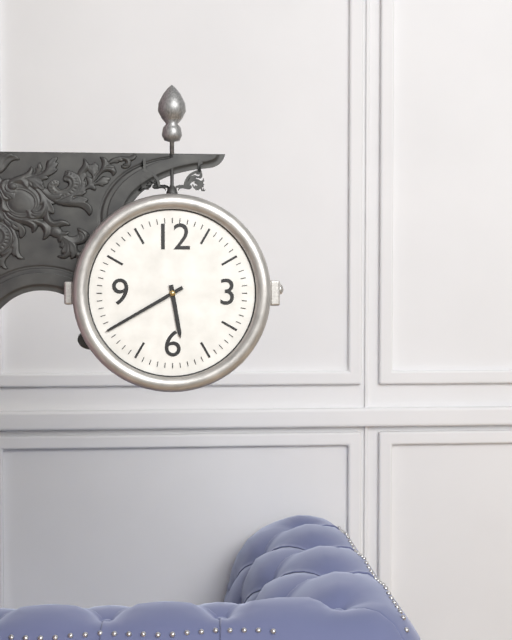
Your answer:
5 h 40 min
